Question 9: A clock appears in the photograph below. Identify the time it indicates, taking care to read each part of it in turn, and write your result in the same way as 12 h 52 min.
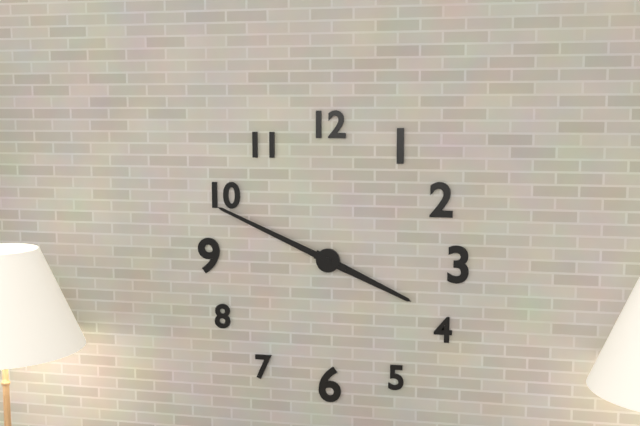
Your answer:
3 h 49 min
